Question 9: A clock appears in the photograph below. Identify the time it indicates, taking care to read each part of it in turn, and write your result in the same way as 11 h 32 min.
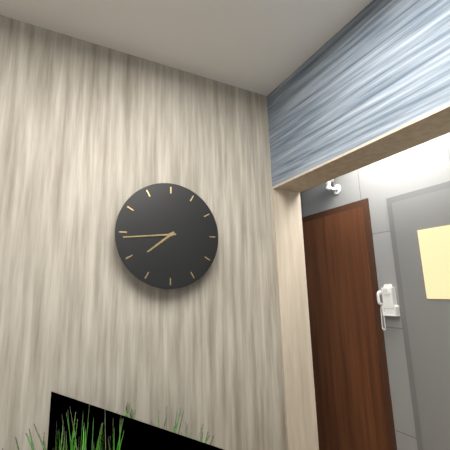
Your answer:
7 h 44 min
